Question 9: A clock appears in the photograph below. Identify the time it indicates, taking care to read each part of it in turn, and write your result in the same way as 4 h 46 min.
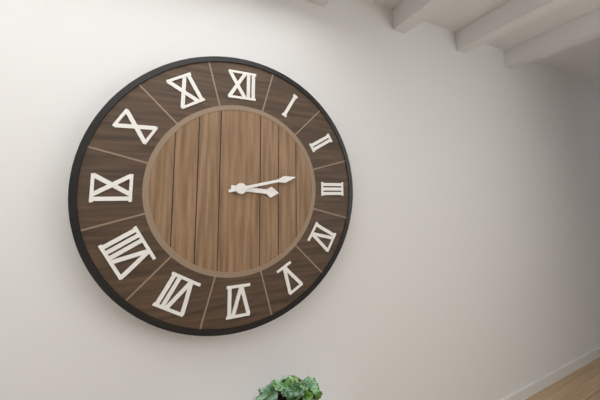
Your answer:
3 h 13 min
